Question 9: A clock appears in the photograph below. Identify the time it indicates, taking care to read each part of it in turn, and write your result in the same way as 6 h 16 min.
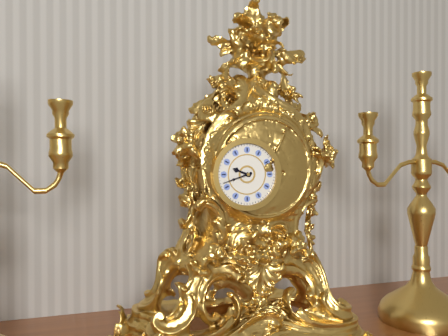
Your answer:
9 h 42 min
